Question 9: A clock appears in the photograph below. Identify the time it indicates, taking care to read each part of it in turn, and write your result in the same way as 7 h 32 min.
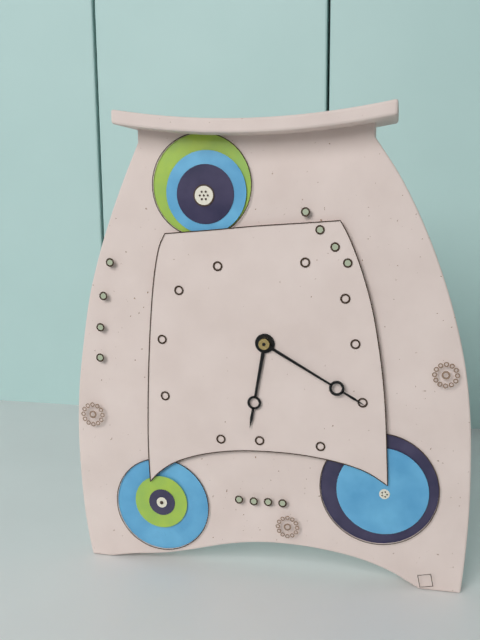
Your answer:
6 h 20 min
